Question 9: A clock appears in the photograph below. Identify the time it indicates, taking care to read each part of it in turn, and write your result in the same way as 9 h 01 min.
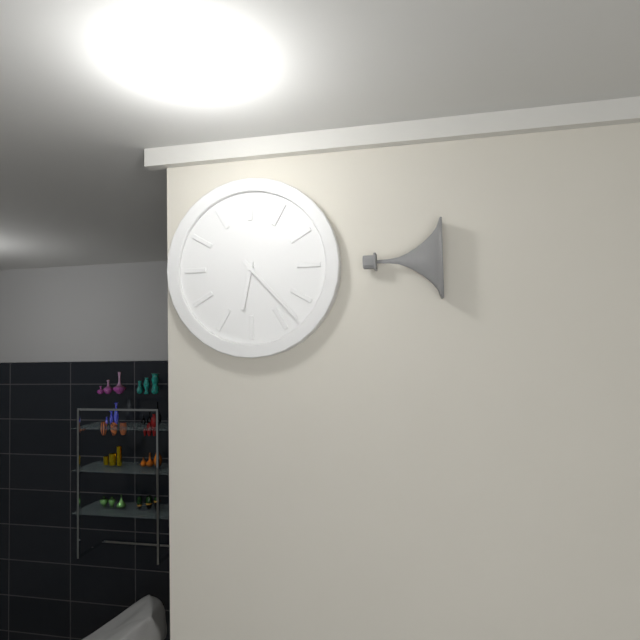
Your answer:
6 h 23 min
